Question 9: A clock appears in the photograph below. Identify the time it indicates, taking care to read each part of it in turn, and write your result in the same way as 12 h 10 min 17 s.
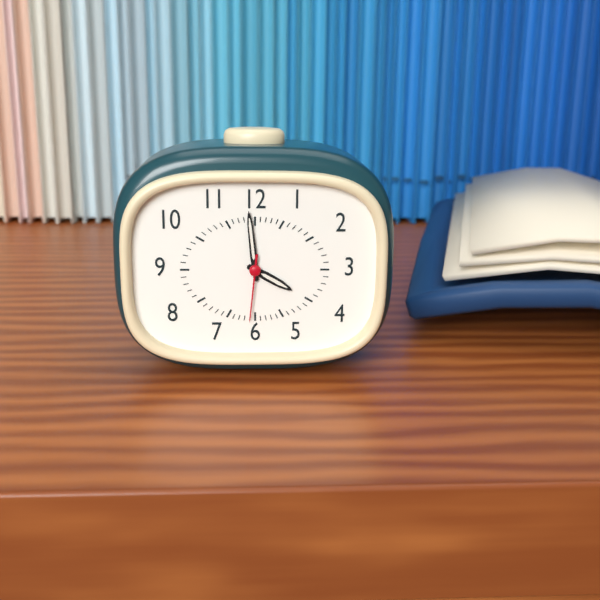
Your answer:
3 h 59 min 31 s
